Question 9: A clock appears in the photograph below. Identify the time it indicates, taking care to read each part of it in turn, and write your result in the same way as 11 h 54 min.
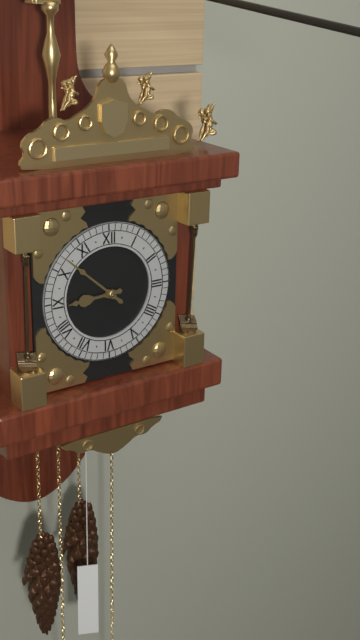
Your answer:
8 h 52 min
